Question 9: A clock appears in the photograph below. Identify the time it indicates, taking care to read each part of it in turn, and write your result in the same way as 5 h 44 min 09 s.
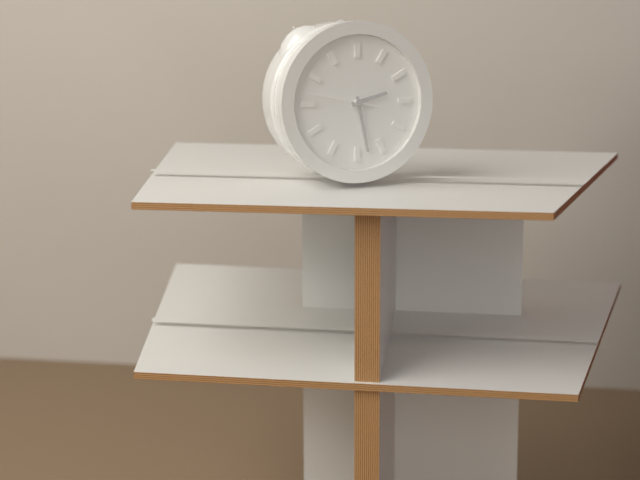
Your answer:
2 h 28 min 47 s
